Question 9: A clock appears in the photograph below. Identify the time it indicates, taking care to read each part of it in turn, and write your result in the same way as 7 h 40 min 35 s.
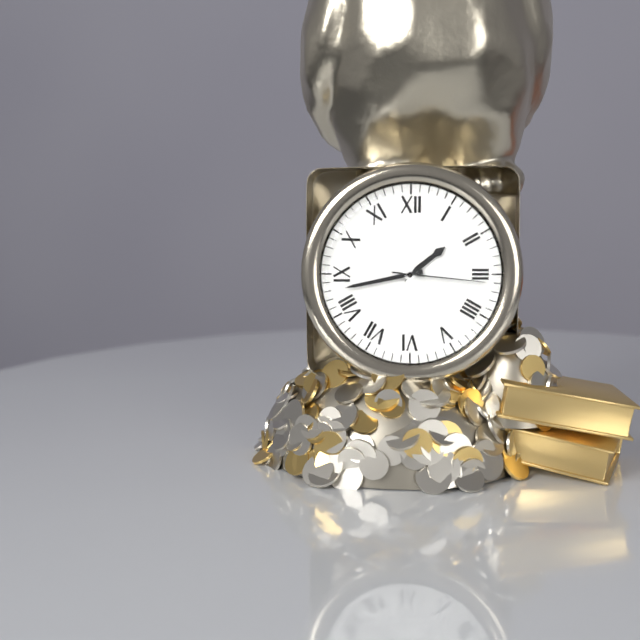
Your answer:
1 h 43 min 16 s
